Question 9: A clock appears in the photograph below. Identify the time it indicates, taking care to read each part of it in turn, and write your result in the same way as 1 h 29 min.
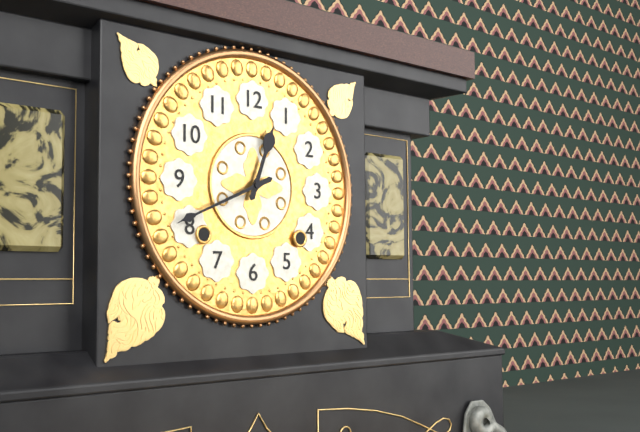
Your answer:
12 h 41 min
